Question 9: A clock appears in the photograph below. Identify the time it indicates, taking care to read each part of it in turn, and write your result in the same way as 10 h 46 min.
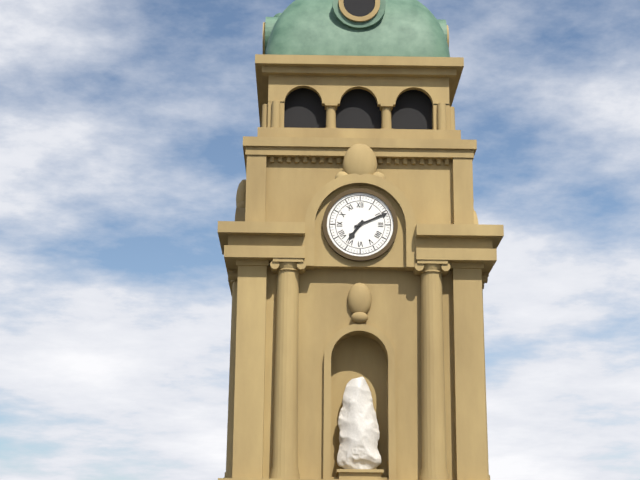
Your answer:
7 h 11 min
